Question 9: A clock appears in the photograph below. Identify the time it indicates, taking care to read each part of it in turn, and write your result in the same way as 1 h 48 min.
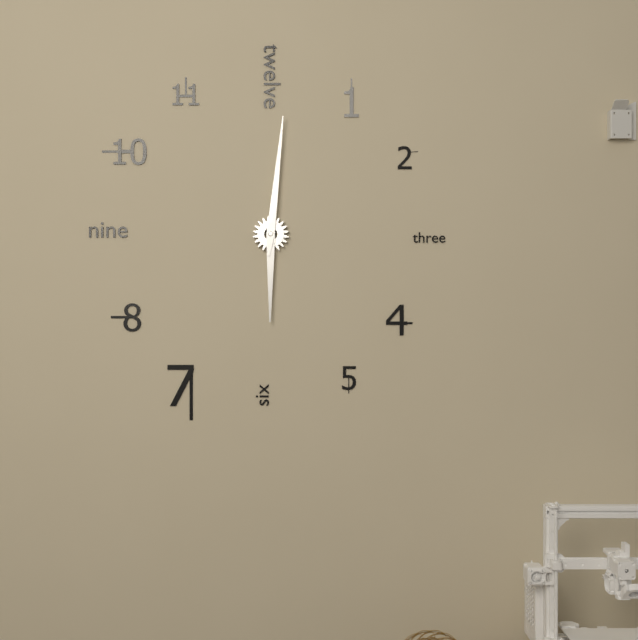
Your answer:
6 h 01 min
